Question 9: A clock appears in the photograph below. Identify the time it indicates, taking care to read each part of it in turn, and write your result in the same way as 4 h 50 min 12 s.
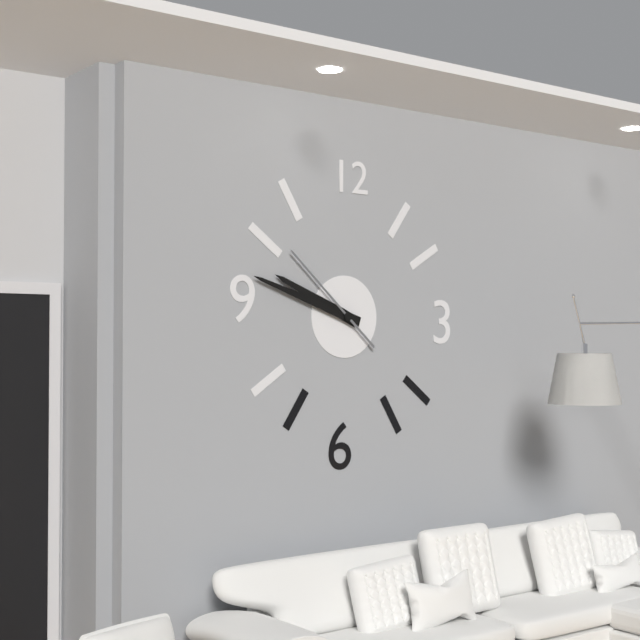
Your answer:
9 h 48 min 52 s
